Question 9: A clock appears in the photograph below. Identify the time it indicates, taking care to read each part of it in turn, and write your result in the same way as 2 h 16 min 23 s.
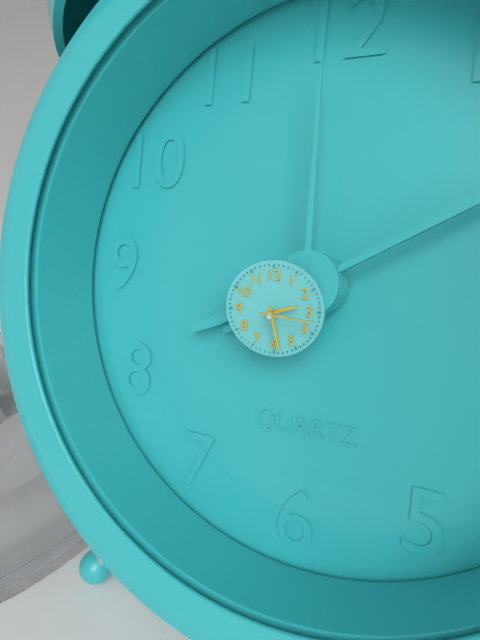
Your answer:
2 h 28 min 16 s
